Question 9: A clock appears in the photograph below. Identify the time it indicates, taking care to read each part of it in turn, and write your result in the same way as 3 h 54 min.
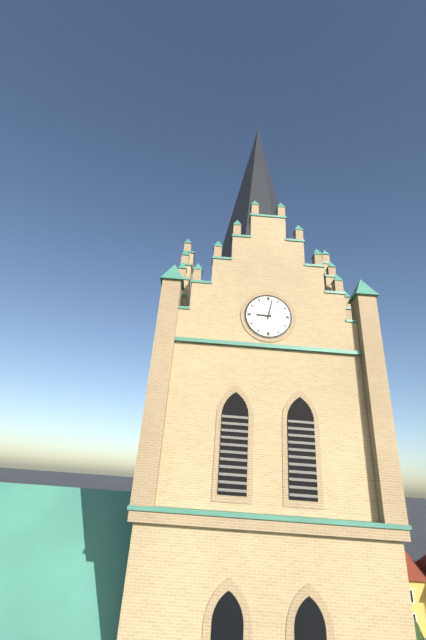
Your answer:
9 h 02 min
